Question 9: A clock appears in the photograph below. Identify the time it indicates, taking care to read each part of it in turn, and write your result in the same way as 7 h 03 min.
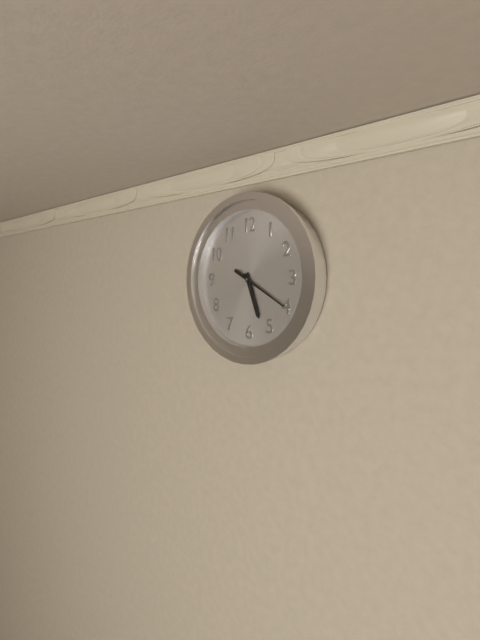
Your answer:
5 h 20 min
